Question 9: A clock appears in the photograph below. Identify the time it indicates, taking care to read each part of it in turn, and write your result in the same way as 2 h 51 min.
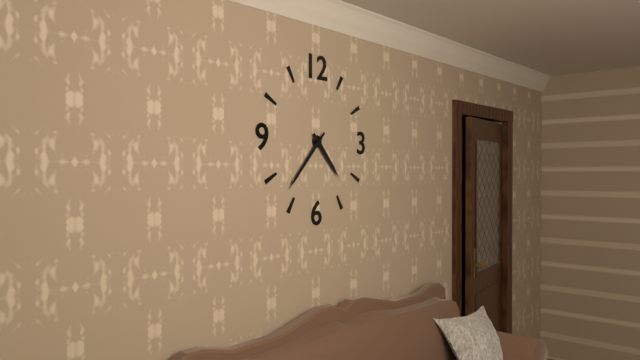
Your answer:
4 h 37 min
